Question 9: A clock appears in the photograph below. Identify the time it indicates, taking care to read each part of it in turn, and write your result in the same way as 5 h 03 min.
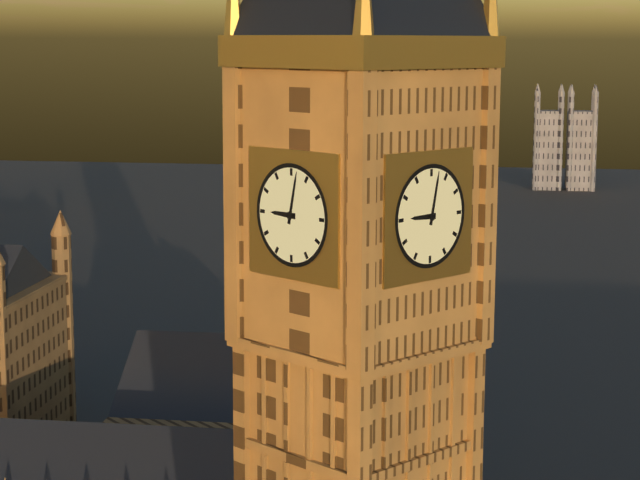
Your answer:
9 h 02 min
